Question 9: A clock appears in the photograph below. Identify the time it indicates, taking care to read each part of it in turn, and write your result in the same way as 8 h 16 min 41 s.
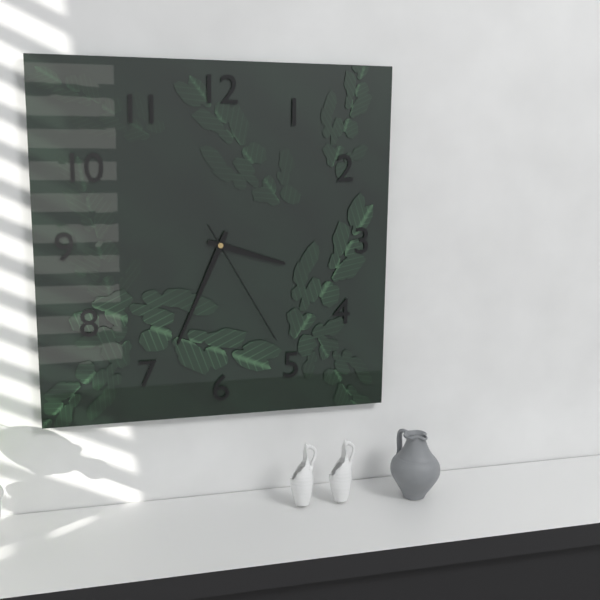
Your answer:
3 h 34 min 25 s
